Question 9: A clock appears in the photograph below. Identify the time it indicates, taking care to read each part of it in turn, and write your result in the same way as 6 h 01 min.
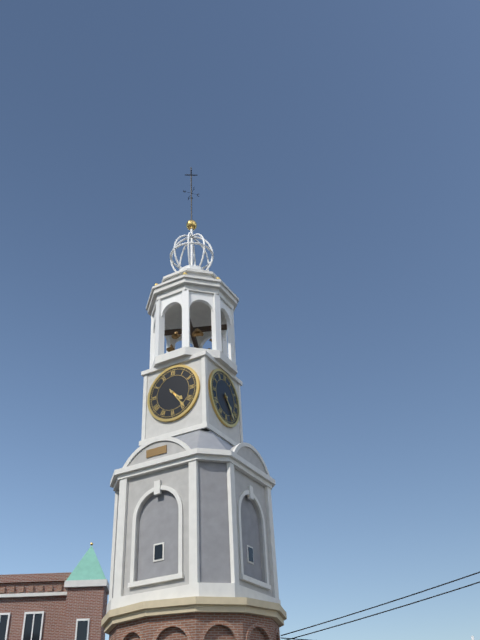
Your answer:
4 h 24 min
